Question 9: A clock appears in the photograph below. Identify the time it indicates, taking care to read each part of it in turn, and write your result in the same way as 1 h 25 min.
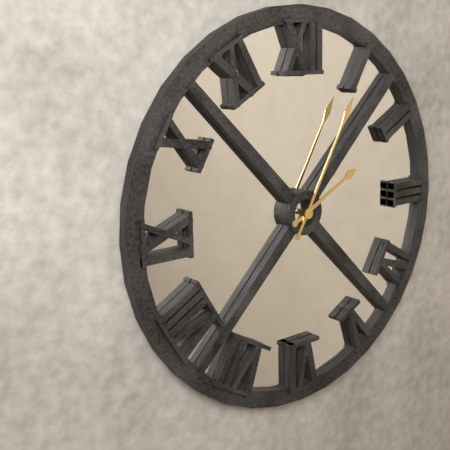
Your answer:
2 h 05 min
